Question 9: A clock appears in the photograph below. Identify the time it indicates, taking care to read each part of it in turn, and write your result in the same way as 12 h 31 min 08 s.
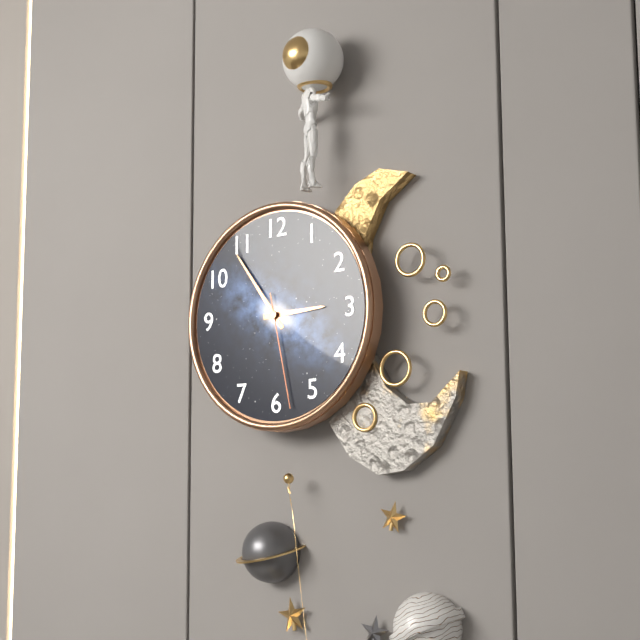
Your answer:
2 h 54 min 28 s
